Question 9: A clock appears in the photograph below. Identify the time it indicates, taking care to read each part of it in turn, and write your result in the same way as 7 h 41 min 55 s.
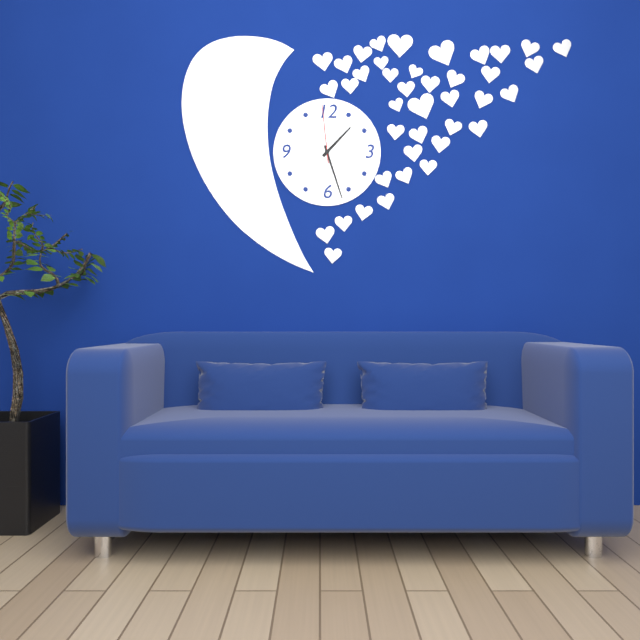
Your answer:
1 h 27 min 59 s
